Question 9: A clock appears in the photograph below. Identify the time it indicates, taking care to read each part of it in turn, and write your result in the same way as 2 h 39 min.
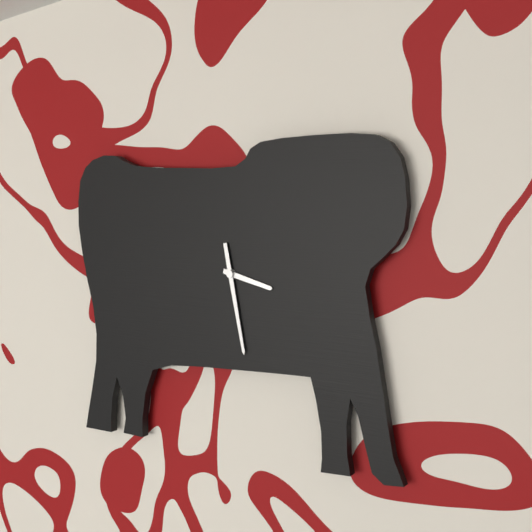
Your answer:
3 h 28 min
